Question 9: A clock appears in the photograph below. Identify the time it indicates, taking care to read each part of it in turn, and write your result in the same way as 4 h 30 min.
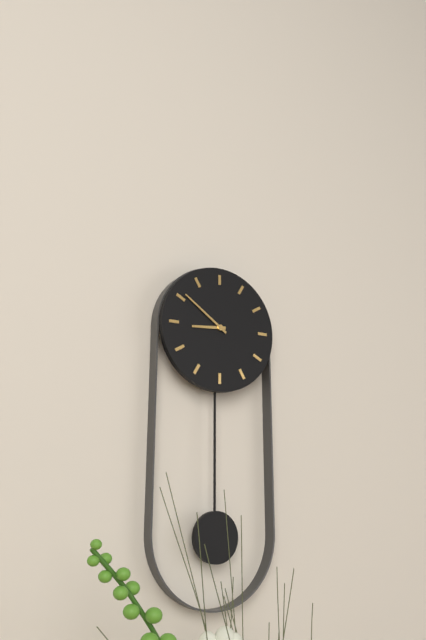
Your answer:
8 h 51 min
